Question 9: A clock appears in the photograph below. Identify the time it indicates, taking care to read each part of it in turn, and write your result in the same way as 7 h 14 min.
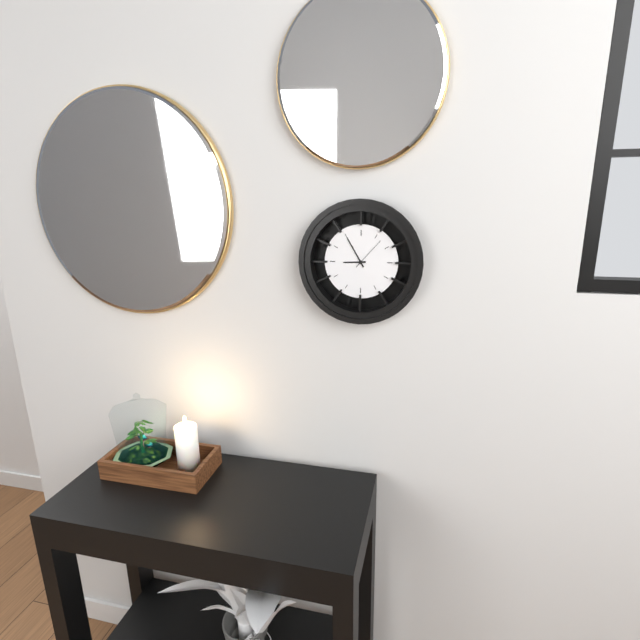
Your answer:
8 h 55 min
